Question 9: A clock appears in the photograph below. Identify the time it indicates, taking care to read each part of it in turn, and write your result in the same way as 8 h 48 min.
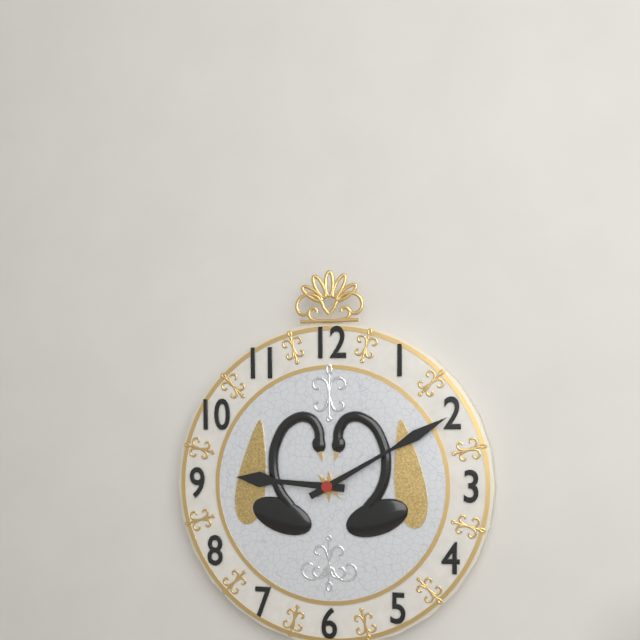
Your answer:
9 h 10 min
